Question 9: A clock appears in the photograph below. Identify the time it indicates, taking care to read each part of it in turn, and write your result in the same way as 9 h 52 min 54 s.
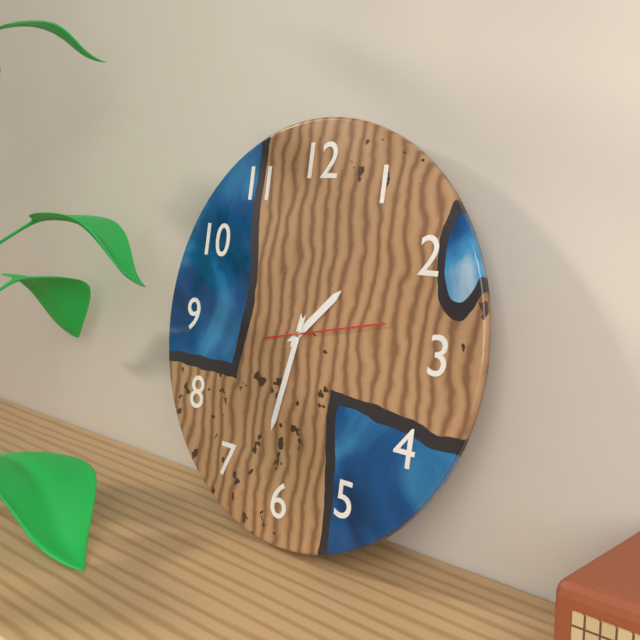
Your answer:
1 h 32 min 13 s
